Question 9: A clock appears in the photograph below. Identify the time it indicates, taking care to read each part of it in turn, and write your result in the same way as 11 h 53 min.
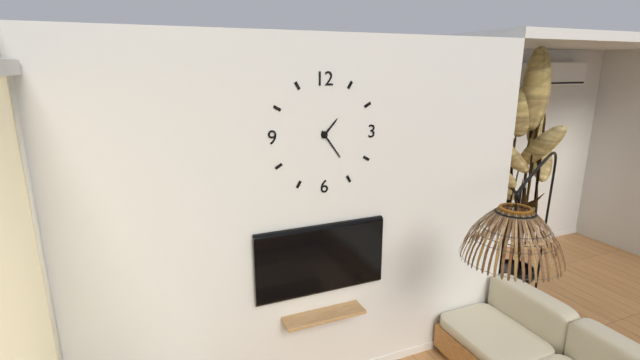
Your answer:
1 h 24 min
